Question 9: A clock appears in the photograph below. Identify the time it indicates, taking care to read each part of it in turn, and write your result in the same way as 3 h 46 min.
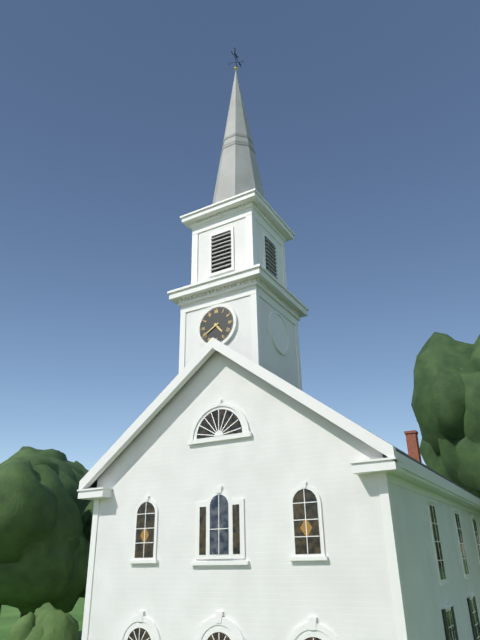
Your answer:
4 h 40 min
